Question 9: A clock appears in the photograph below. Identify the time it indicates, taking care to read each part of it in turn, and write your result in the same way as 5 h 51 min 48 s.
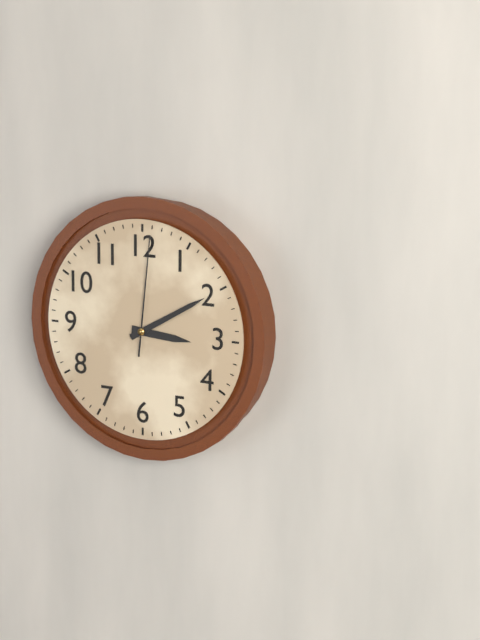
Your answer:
3 h 10 min 01 s
